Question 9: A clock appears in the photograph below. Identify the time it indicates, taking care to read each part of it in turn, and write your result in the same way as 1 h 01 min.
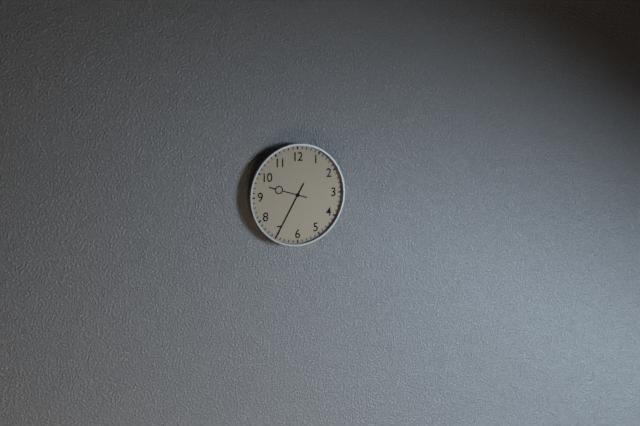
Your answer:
9 h 35 min
